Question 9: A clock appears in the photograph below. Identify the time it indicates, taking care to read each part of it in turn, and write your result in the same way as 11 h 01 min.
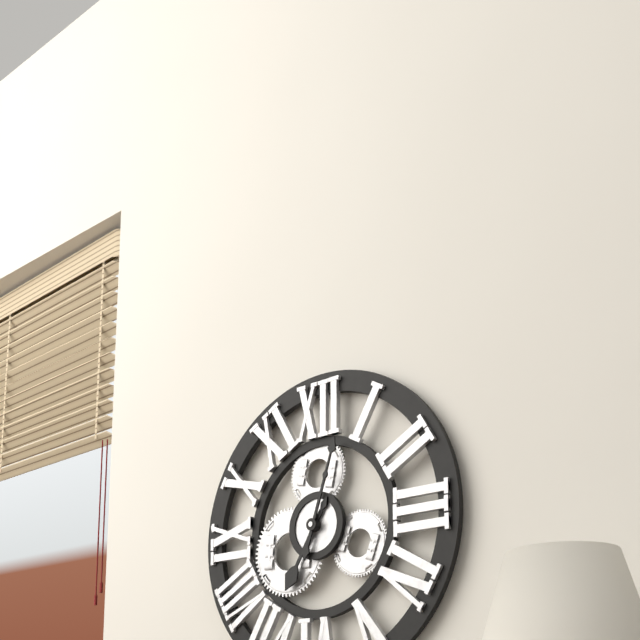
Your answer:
7 h 03 min
